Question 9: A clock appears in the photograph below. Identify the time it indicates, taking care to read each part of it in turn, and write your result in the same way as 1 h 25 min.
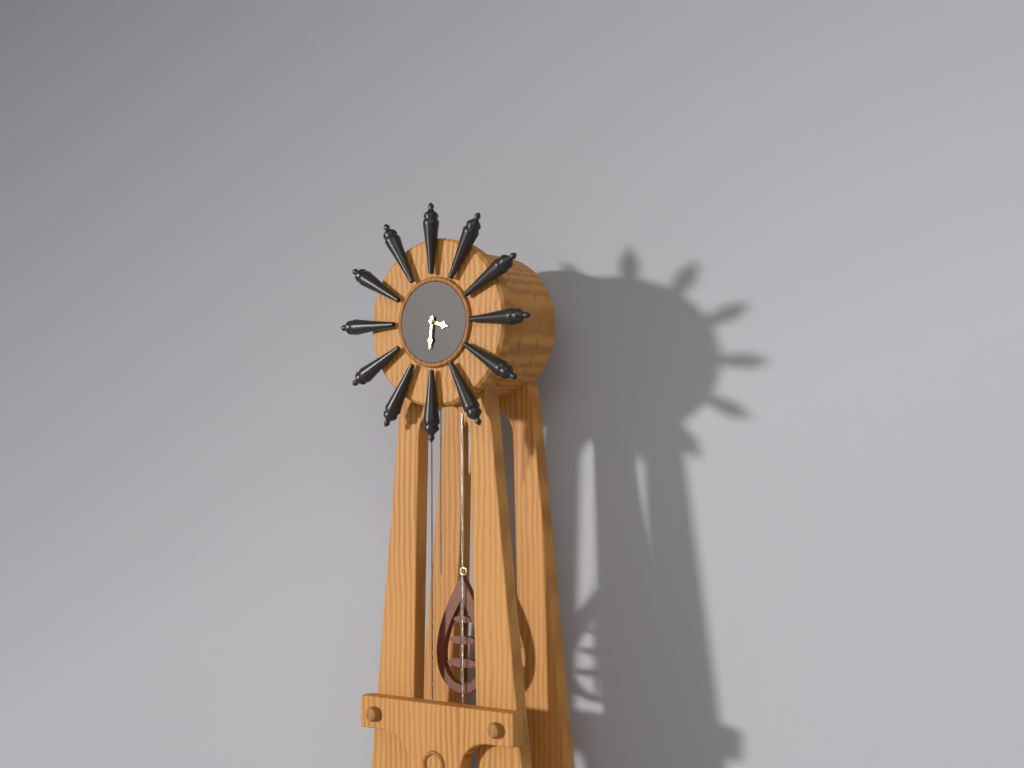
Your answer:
3 h 31 min
